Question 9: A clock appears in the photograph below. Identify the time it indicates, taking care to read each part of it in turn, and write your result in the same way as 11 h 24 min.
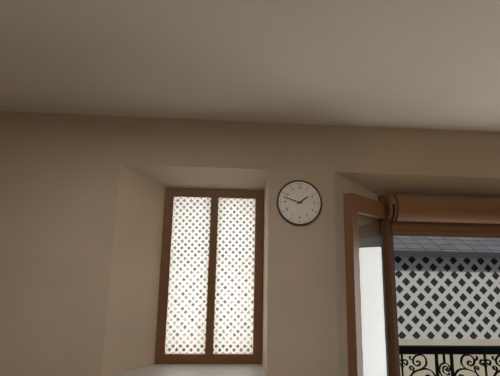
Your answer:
1 h 48 min
